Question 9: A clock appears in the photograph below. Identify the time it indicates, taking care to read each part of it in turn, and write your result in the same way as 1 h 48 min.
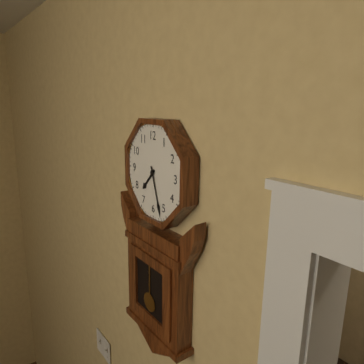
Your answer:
7 h 27 min
